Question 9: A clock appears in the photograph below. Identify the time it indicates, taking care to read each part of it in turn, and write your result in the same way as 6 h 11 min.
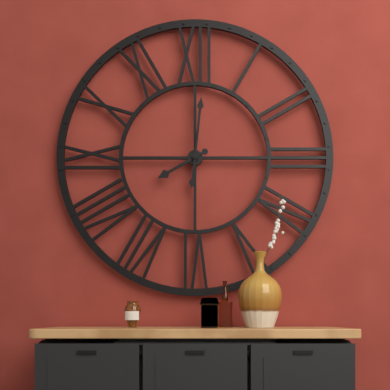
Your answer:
8 h 01 min
